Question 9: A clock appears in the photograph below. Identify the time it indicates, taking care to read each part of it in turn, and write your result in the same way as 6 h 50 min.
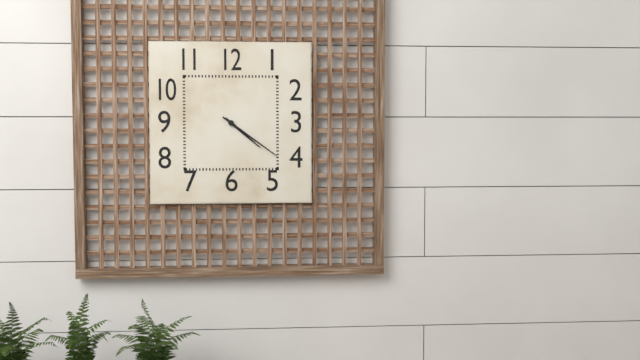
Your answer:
4 h 21 min
